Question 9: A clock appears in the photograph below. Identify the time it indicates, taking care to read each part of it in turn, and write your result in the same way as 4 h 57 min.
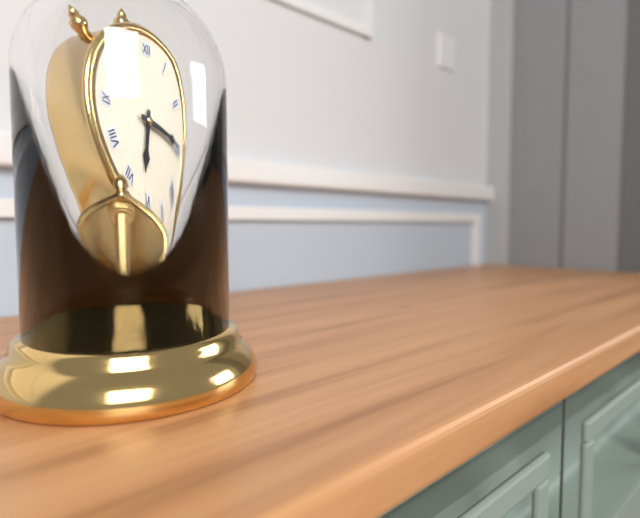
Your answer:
6 h 15 min
